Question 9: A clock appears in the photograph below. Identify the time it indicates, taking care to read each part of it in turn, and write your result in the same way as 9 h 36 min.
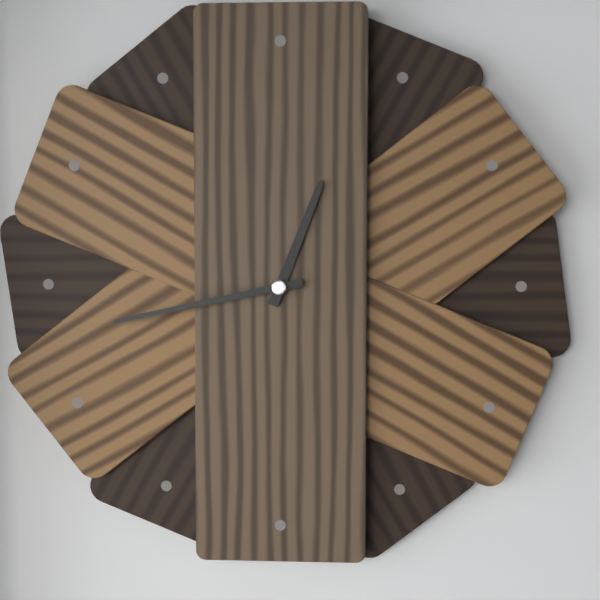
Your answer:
12 h 43 min
